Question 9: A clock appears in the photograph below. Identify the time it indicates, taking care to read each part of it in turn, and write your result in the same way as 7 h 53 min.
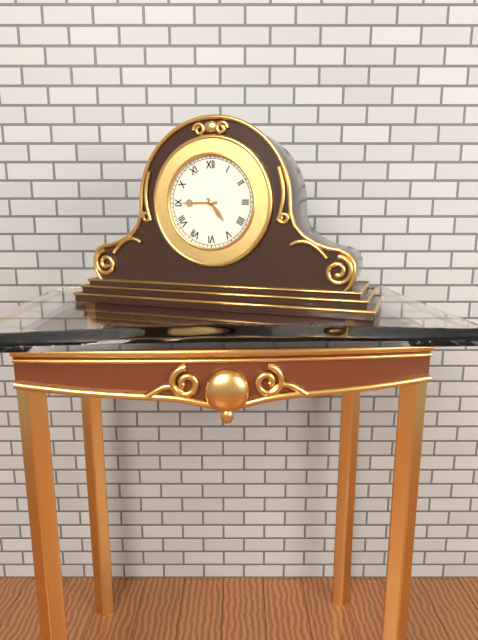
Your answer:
4 h 45 min
